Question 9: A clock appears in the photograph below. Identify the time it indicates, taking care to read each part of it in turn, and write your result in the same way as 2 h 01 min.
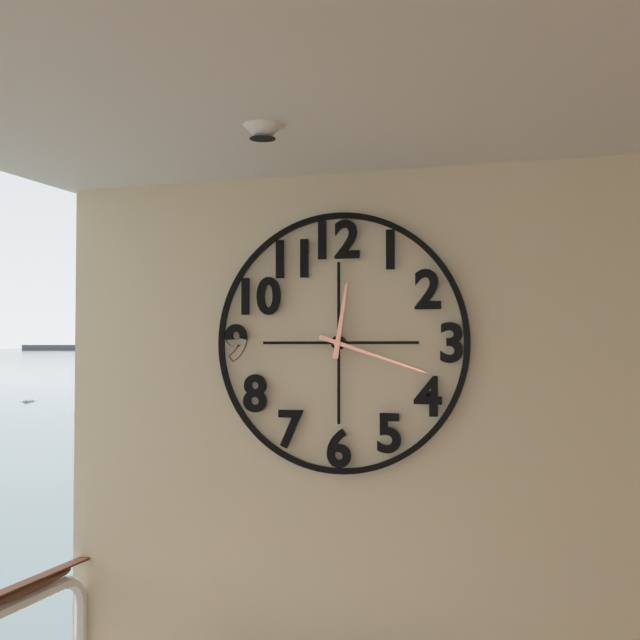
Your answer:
12 h 18 min
